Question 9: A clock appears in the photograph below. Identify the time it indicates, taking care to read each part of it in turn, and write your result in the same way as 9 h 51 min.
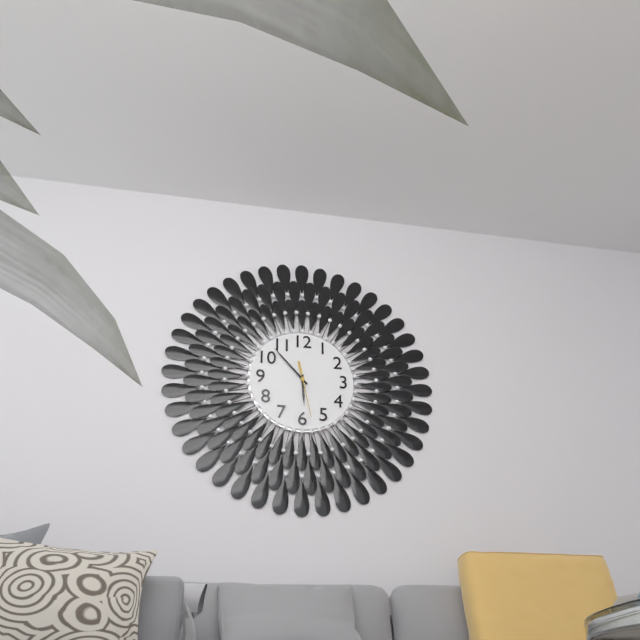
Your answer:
5 h 53 min
